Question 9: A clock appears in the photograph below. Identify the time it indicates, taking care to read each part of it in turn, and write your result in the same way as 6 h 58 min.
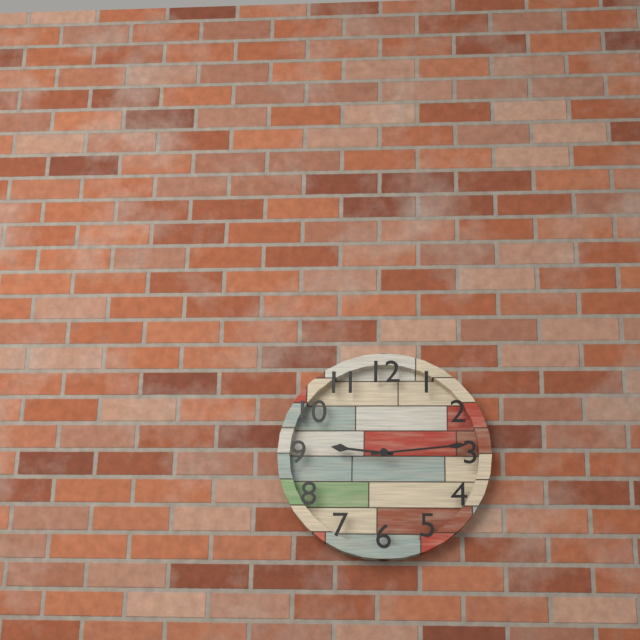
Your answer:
9 h 14 min
